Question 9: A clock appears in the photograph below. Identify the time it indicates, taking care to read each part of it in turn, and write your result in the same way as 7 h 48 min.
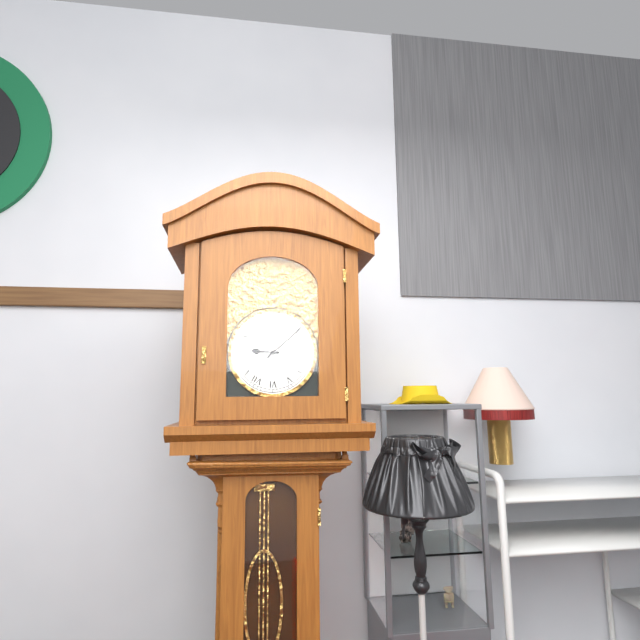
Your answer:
9 h 08 min
